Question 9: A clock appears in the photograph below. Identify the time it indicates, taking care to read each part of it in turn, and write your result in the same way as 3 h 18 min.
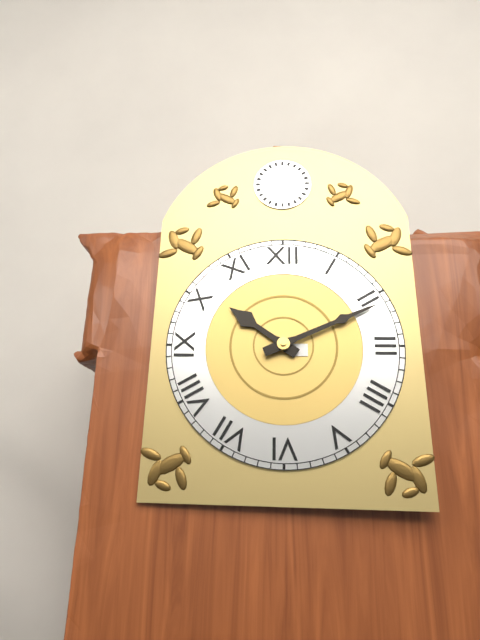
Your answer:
10 h 11 min
